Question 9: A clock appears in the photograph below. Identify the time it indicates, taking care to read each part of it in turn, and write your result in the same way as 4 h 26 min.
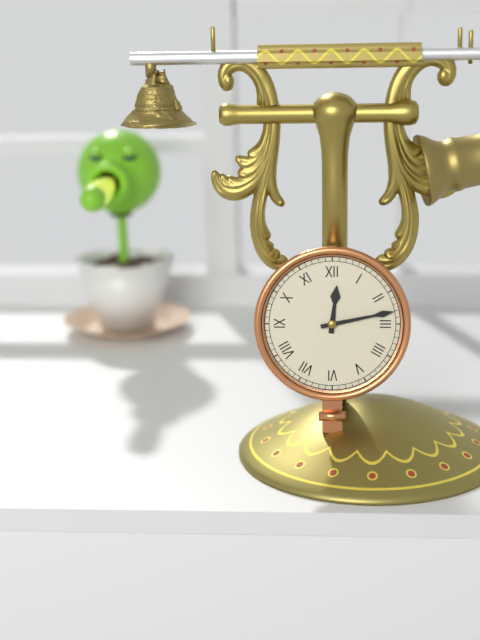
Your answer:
12 h 13 min
